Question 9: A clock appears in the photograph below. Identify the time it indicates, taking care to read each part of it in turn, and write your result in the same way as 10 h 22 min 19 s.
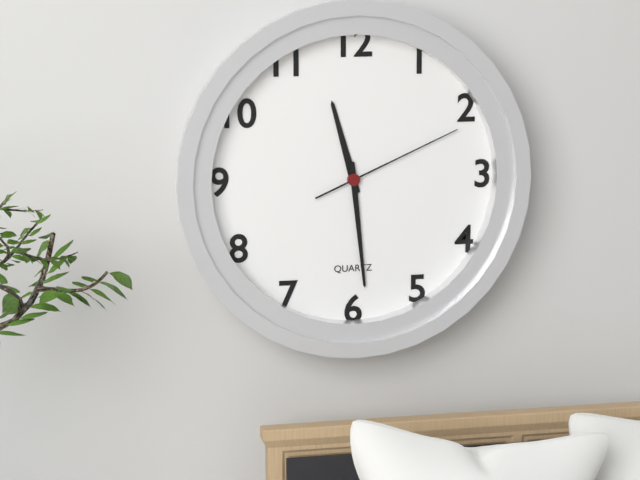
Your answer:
11 h 29 min 11 s
